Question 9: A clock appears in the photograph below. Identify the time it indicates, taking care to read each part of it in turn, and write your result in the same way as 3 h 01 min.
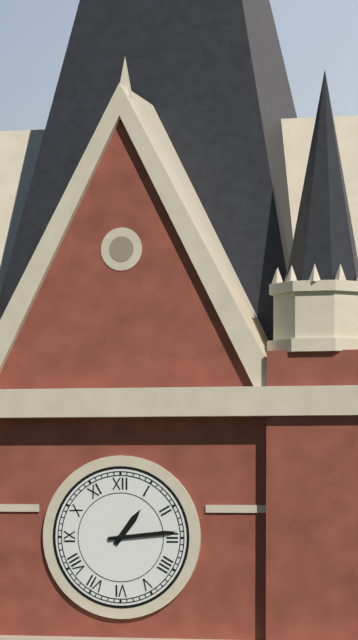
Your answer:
1 h 14 min
